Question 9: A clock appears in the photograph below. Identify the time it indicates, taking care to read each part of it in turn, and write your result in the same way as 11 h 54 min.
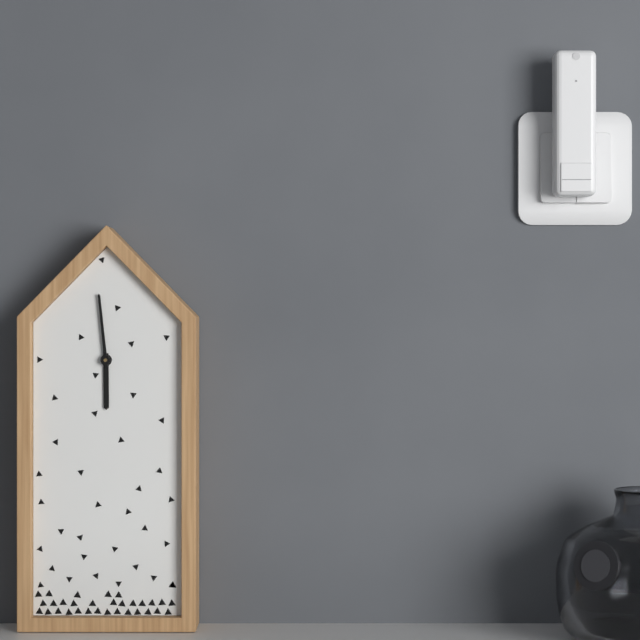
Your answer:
5 h 59 min
